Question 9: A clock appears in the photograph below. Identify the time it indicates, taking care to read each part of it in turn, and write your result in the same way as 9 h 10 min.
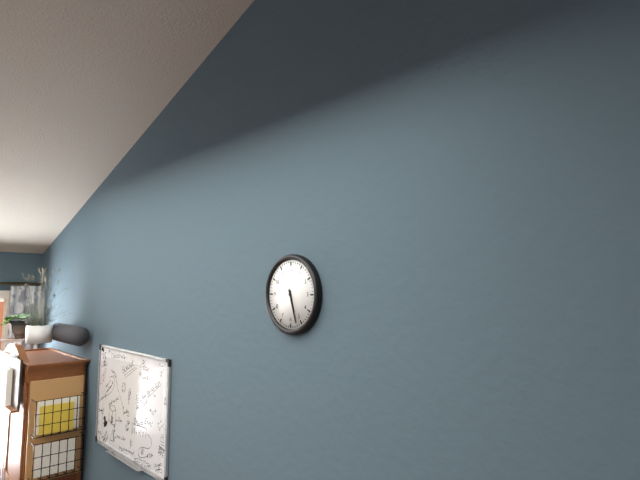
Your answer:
5 h 27 min
